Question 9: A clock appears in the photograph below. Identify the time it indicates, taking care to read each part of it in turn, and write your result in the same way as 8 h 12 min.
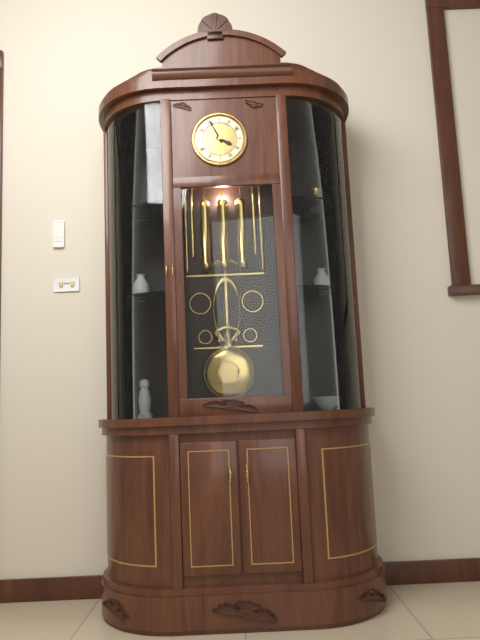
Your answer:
3 h 56 min
